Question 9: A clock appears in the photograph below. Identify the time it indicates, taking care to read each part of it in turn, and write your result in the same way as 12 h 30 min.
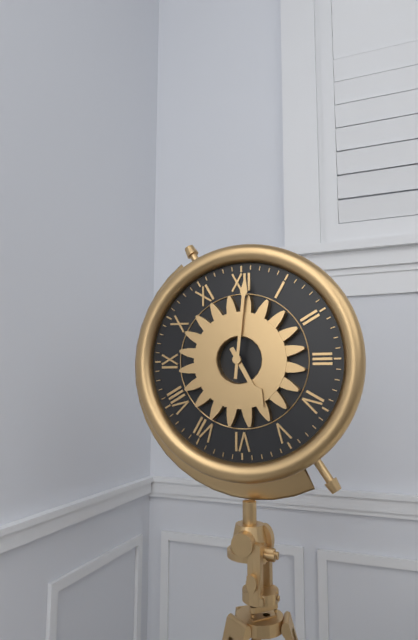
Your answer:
5 h 01 min
